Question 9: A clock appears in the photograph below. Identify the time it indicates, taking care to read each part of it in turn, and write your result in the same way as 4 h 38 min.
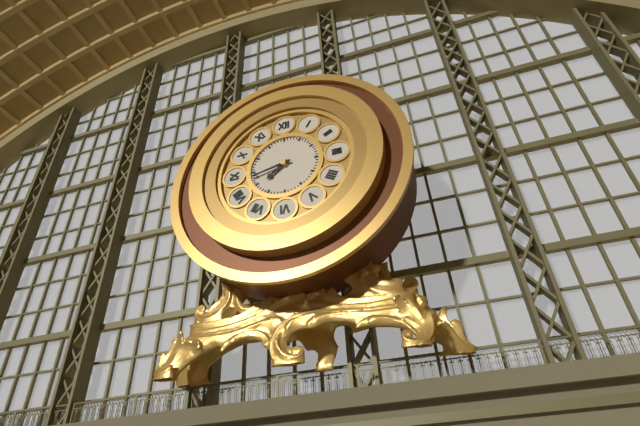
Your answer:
7 h 43 min
